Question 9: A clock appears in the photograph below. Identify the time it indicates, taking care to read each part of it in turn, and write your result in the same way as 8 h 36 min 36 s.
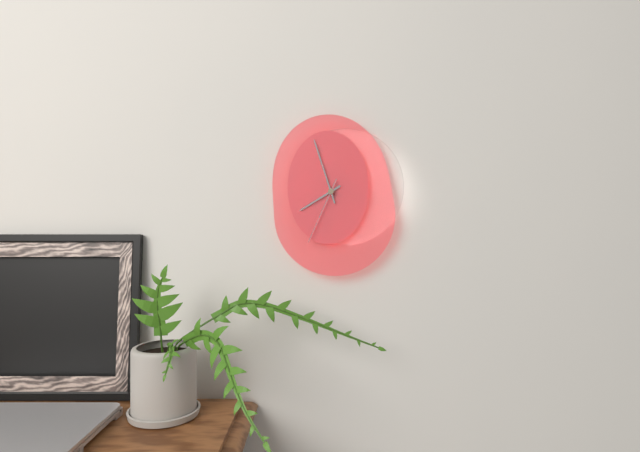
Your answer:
7 h 57 min 34 s
